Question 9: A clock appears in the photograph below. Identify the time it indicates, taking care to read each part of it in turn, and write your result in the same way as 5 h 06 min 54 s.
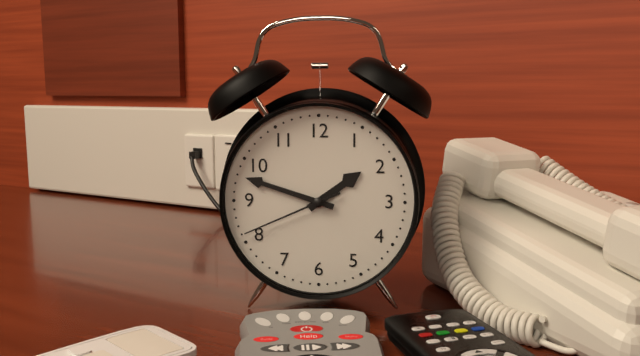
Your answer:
1 h 48 min 41 s
